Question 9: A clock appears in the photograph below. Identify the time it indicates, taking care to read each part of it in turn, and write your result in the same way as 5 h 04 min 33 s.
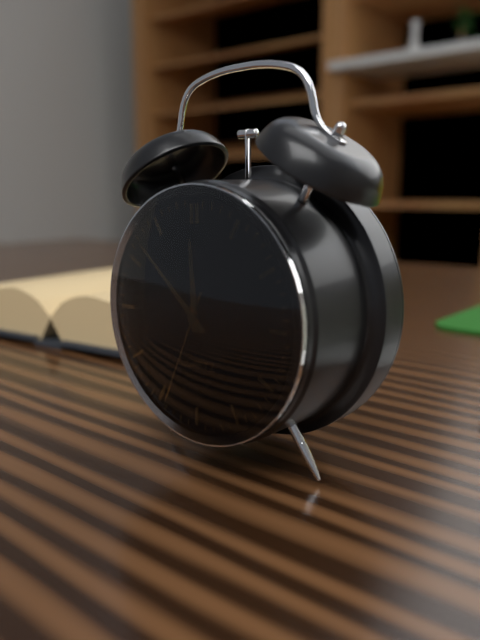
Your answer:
11 h 52 min 34 s
